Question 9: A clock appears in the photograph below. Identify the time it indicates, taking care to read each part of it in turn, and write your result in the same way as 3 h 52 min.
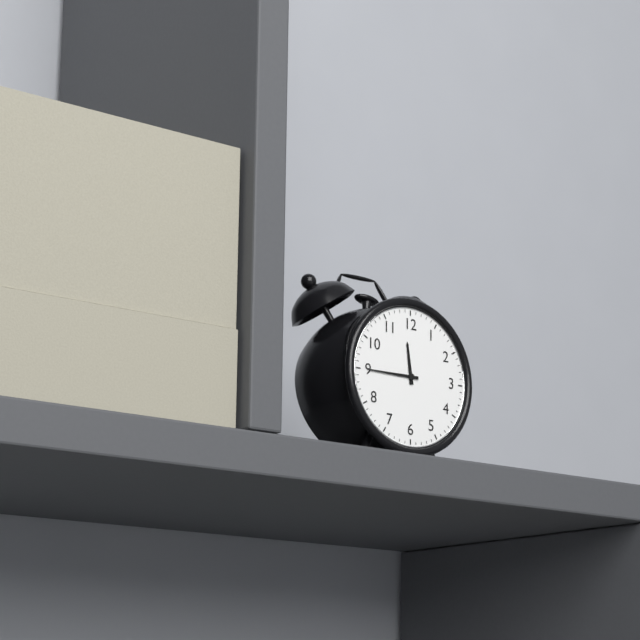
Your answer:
11 h 45 min
